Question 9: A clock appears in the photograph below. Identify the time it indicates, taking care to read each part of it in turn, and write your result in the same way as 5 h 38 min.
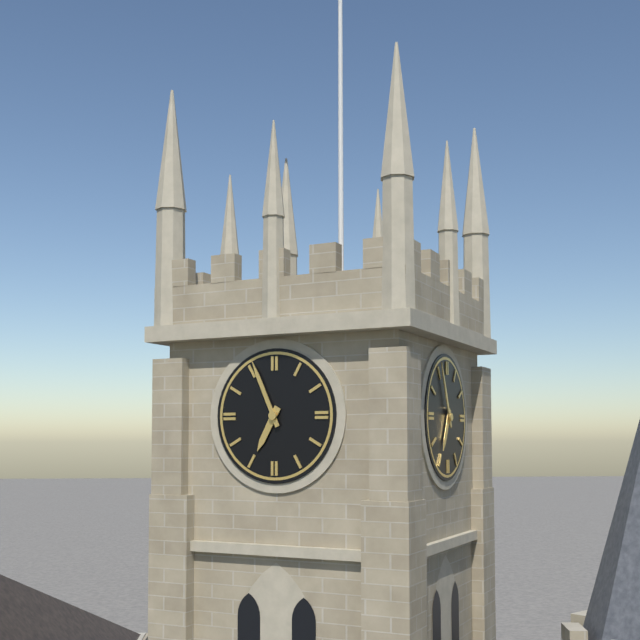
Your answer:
6 h 56 min
